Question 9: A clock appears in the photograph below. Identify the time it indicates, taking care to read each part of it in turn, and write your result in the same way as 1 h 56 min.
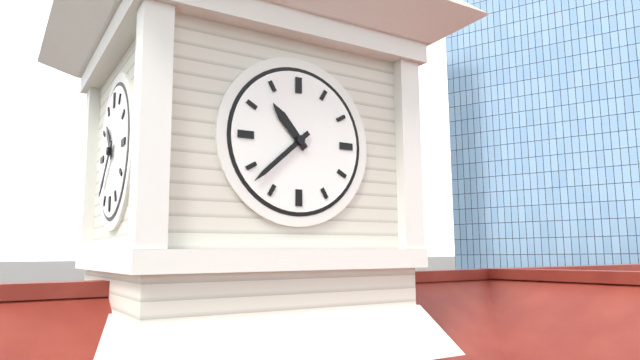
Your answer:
10 h 38 min
